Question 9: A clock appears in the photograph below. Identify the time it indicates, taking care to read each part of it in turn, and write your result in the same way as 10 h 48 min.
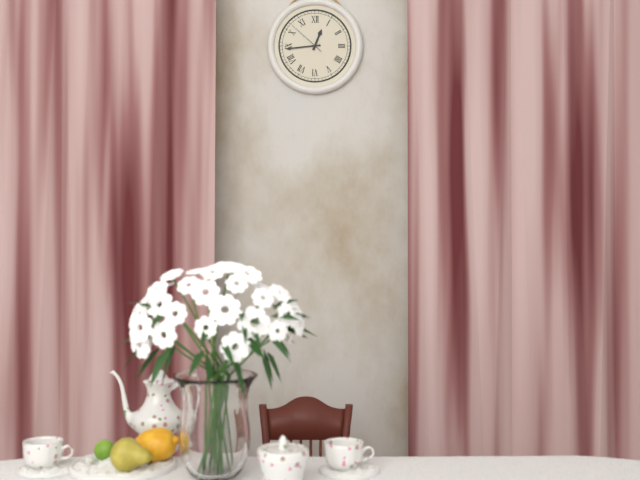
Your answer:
12 h 44 min
